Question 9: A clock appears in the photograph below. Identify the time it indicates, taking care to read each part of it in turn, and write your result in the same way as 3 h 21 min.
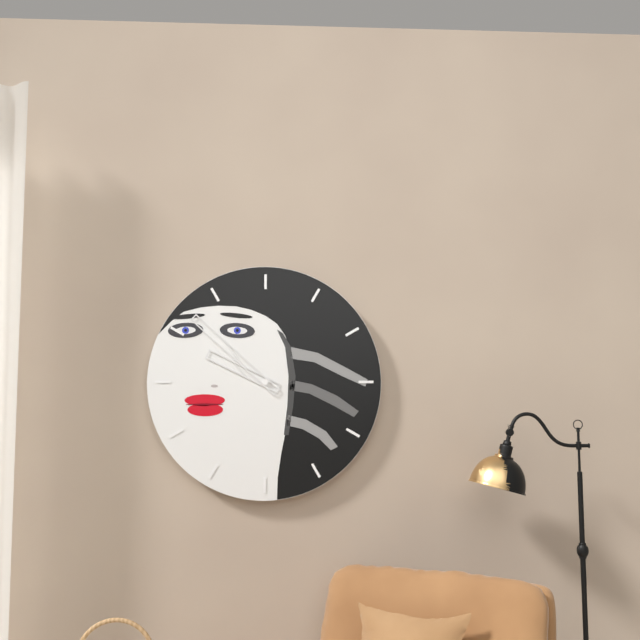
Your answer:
9 h 52 min
